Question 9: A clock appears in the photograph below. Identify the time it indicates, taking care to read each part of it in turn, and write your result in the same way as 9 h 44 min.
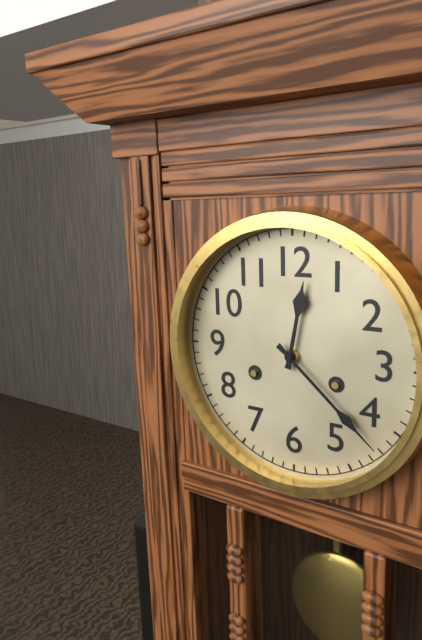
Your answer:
12 h 22 min
